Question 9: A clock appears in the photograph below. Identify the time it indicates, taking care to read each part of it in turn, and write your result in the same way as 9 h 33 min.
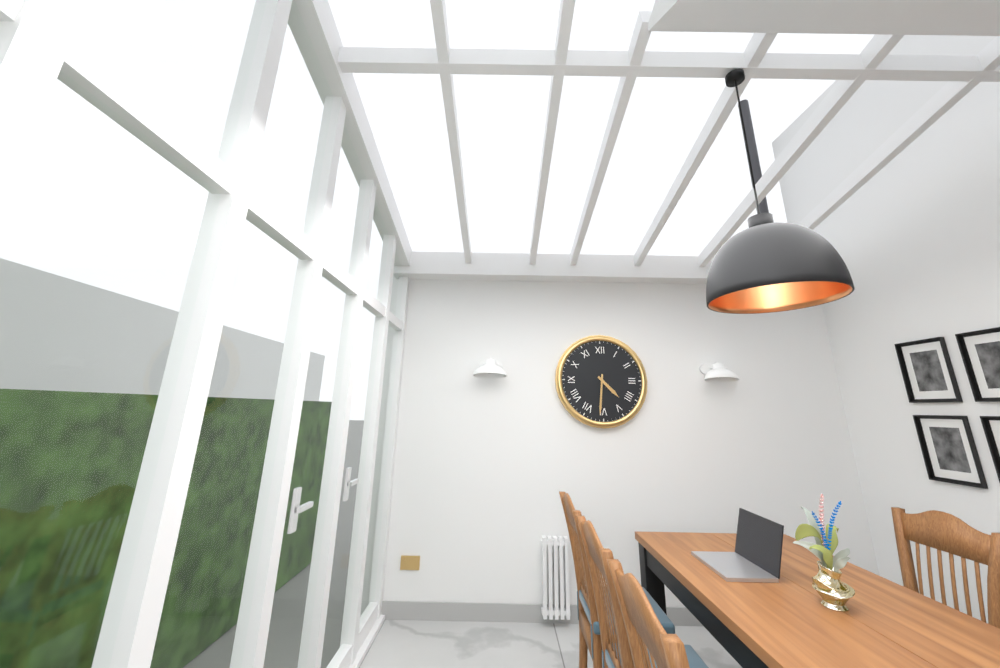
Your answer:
4 h 31 min
